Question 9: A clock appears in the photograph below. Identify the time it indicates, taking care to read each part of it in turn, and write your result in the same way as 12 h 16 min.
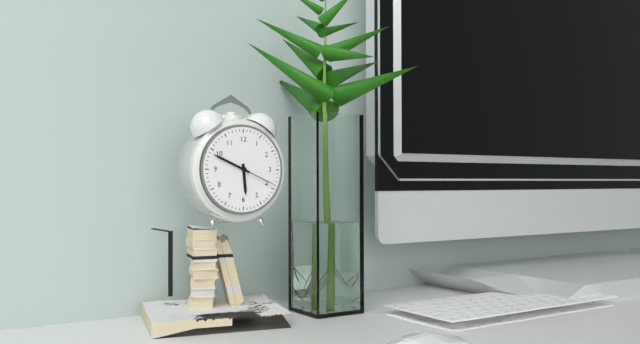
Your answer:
5 h 49 min
